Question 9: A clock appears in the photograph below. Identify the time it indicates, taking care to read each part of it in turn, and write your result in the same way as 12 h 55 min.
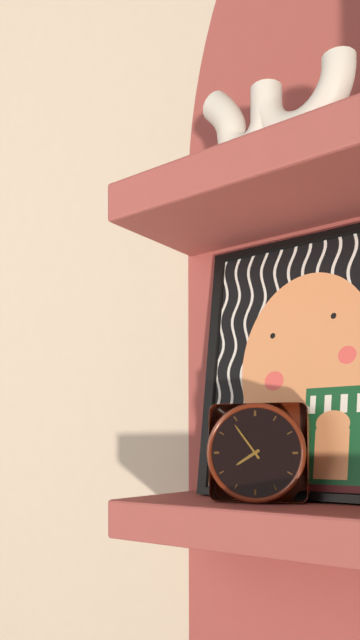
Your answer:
7 h 54 min
